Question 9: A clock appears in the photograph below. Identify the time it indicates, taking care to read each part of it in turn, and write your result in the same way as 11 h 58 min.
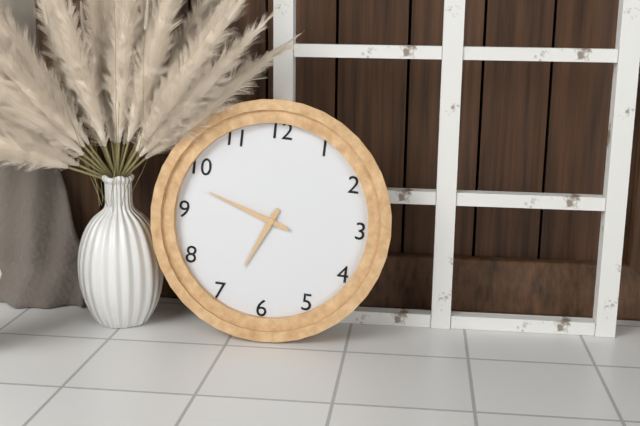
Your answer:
6 h 48 min
